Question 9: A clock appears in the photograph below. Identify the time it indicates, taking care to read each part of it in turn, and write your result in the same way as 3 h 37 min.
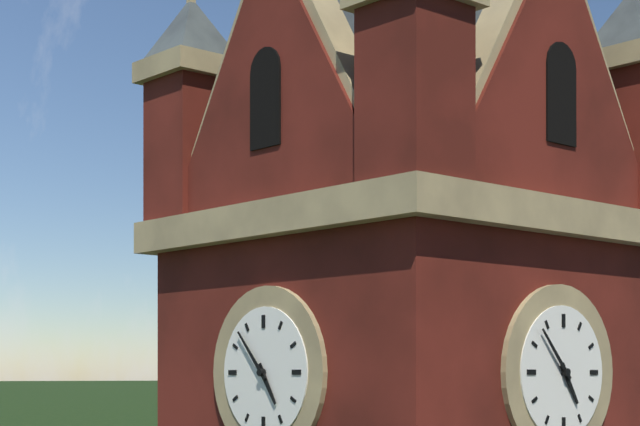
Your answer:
4 h 53 min
